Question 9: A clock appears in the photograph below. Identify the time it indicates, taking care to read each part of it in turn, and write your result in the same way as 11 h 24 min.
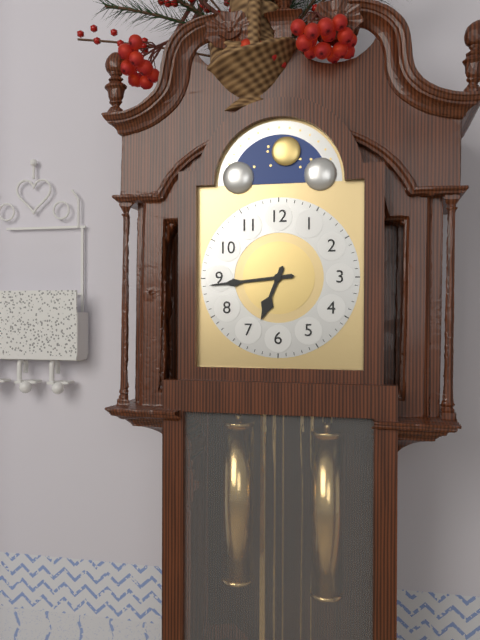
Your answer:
6 h 44 min
